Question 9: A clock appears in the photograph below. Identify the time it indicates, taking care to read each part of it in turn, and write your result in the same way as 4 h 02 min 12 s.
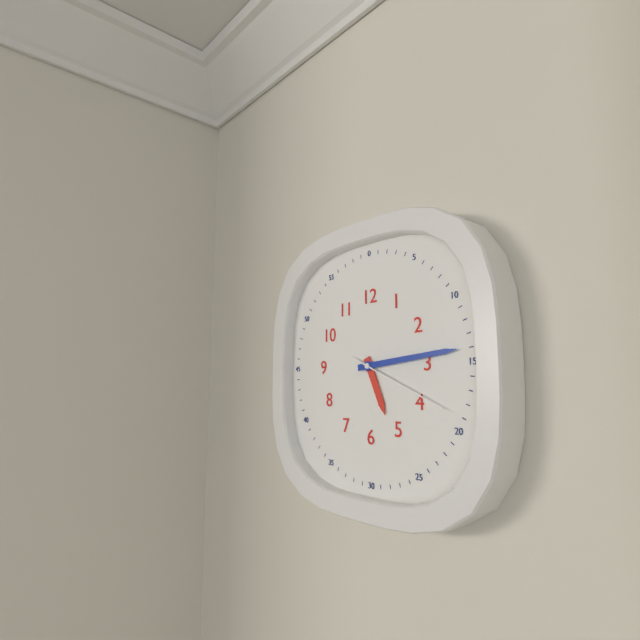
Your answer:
5 h 14 min 19 s
